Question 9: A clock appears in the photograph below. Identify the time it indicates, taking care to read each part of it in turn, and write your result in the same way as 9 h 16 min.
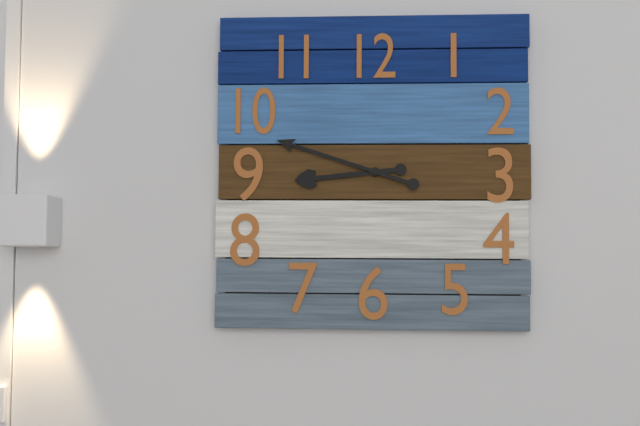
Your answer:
8 h 48 min
